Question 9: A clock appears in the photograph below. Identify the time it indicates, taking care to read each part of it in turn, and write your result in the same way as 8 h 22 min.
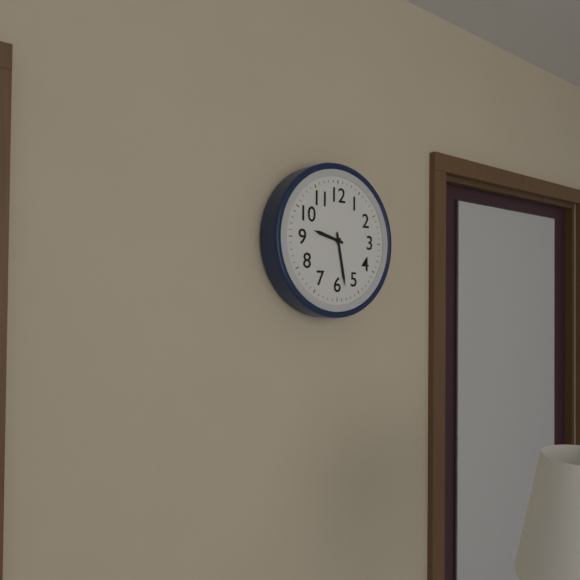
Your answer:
9 h 28 min
